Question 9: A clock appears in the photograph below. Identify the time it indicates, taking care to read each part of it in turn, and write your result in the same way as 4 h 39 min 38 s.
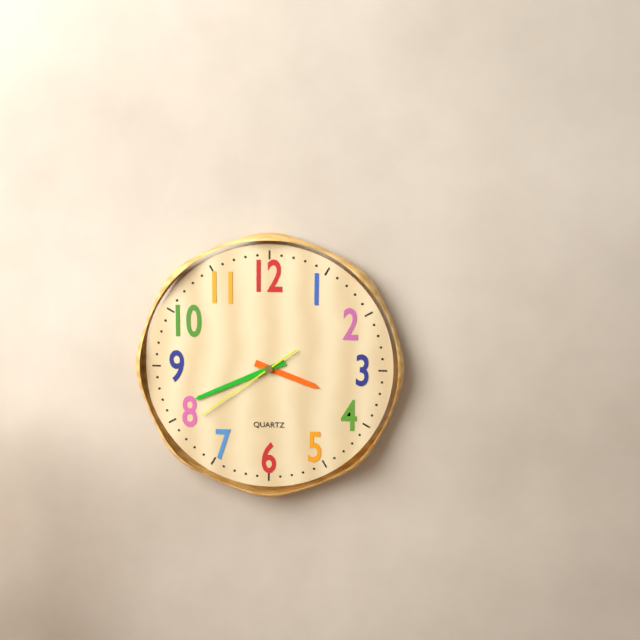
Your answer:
3 h 41 min 39 s
